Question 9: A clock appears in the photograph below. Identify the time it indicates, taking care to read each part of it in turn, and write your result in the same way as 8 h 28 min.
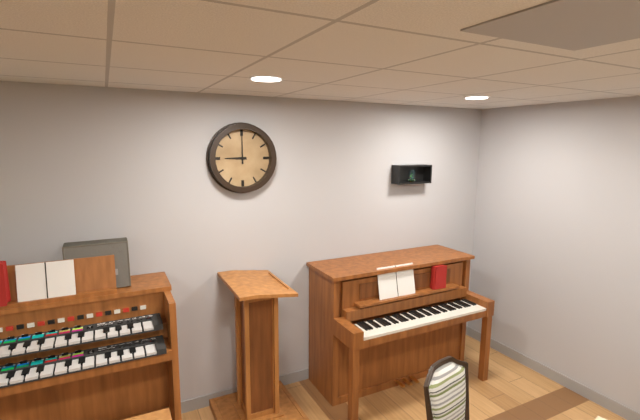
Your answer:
9 h 00 min
